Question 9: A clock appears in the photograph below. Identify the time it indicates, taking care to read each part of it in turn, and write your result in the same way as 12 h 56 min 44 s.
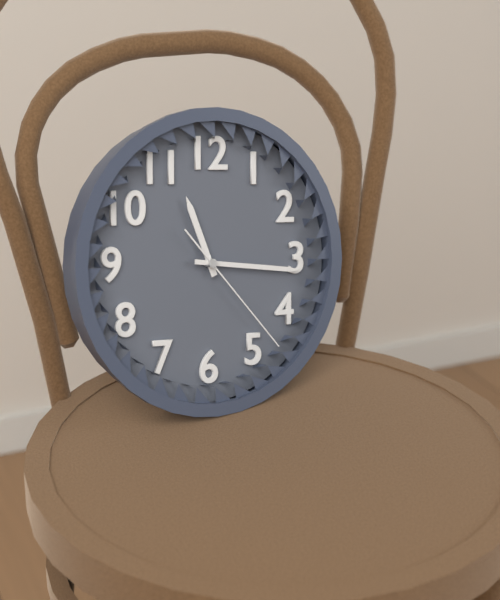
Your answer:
11 h 16 min 23 s
